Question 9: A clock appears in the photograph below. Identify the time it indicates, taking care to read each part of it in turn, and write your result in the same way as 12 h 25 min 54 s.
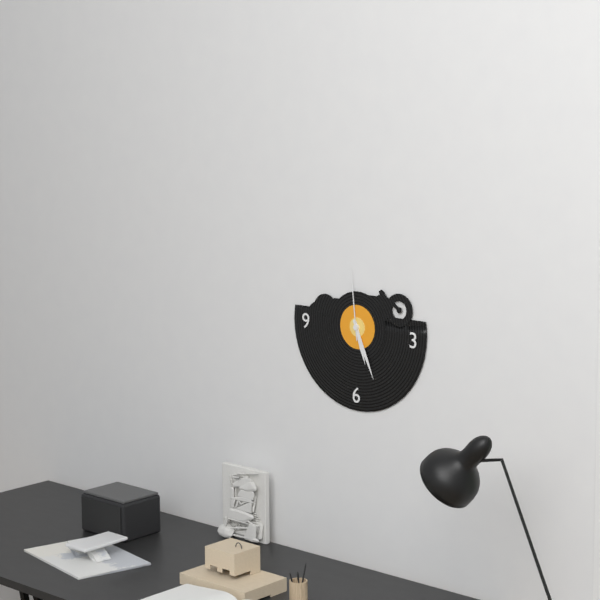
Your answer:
5 h 26 min 59 s
